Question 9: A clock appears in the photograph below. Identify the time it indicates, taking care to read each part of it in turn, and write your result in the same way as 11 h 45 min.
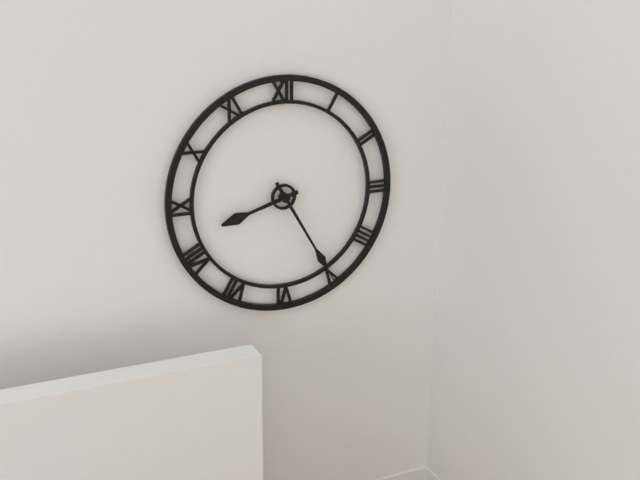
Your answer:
8 h 25 min
